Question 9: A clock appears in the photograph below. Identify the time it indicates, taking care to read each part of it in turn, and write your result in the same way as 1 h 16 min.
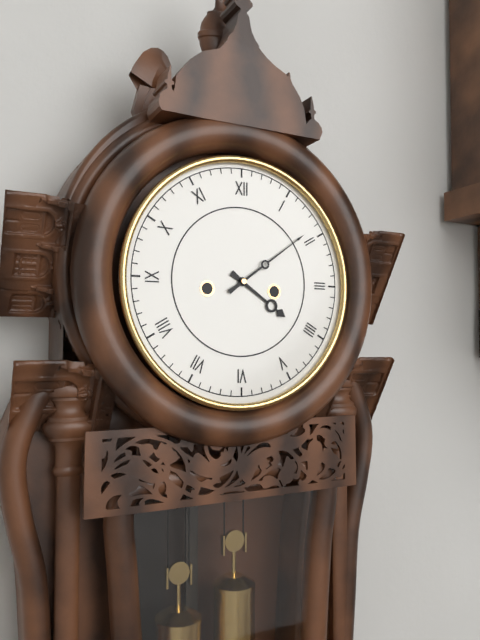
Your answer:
4 h 09 min
